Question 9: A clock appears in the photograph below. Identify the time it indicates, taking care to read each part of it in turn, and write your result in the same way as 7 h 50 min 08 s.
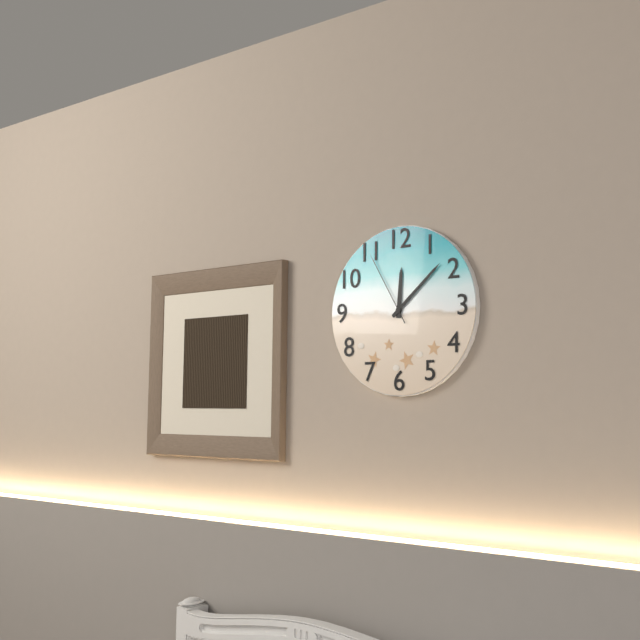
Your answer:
12 h 08 min 55 s
